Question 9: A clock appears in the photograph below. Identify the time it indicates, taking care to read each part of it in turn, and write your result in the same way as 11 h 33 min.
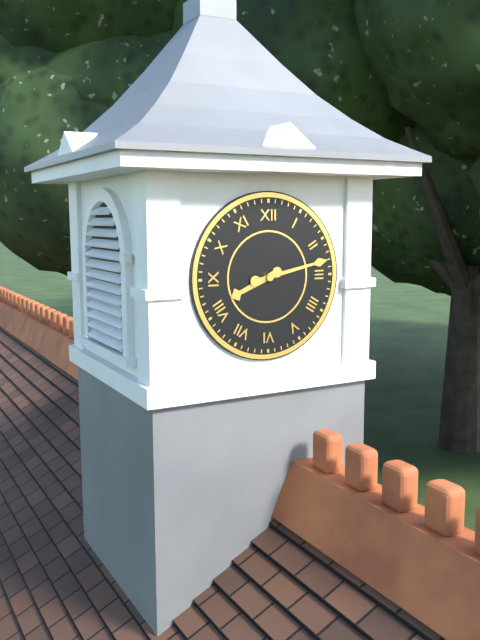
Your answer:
8 h 13 min
